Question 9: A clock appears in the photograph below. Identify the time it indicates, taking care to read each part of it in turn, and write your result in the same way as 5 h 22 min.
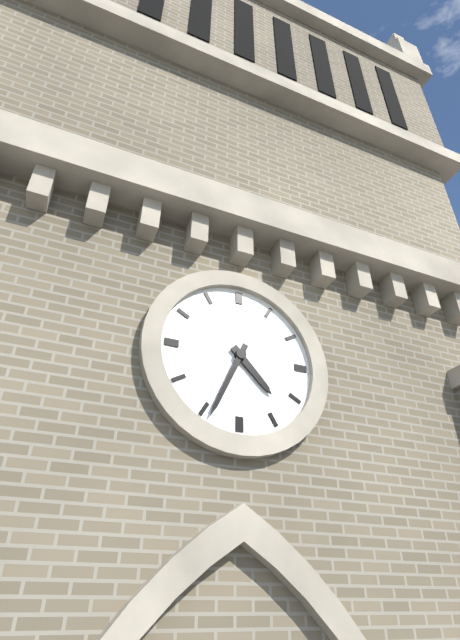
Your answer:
4 h 34 min
